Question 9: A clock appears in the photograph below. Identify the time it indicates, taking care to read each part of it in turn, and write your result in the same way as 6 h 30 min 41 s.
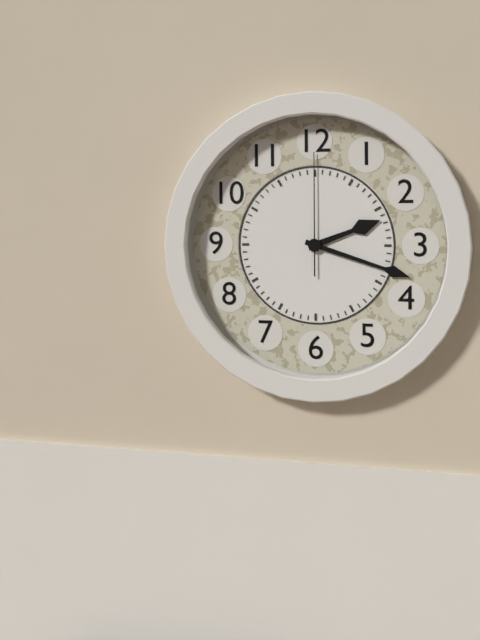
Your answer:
2 h 18 min 00 s
